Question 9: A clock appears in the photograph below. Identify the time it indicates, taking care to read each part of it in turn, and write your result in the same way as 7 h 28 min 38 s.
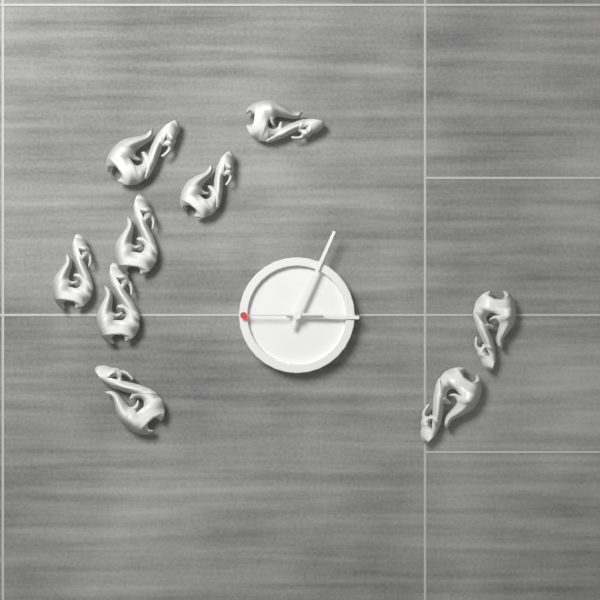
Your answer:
3 h 04 min 45 s
